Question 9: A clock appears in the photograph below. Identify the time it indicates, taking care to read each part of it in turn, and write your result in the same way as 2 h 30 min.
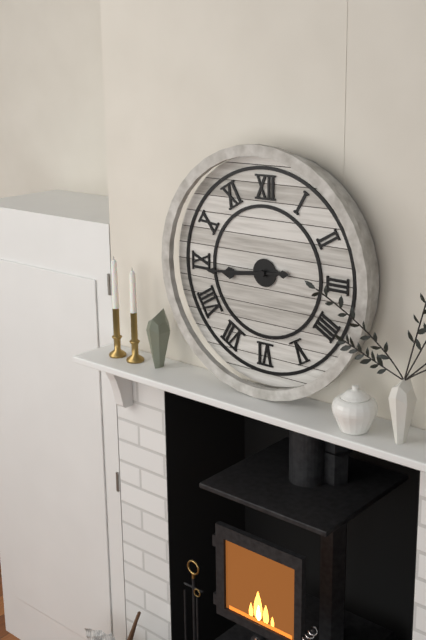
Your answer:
8 h 44 min
